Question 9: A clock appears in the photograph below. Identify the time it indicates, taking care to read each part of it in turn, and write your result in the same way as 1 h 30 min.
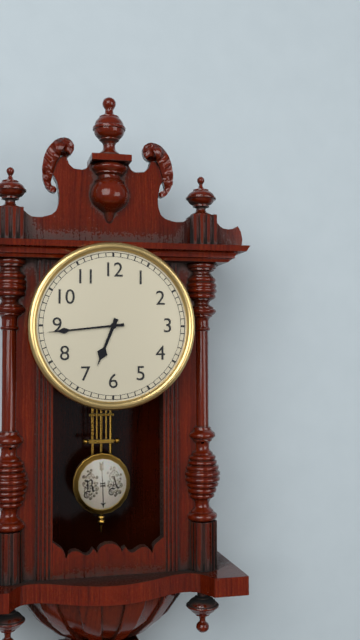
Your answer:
6 h 44 min
